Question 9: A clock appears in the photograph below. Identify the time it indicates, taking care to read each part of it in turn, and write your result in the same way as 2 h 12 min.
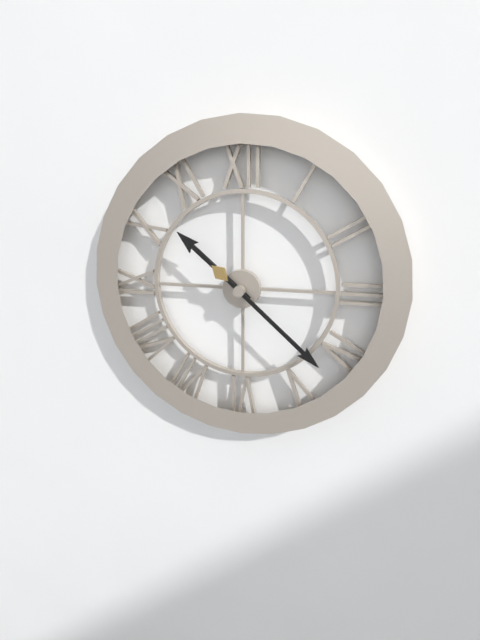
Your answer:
10 h 22 min
